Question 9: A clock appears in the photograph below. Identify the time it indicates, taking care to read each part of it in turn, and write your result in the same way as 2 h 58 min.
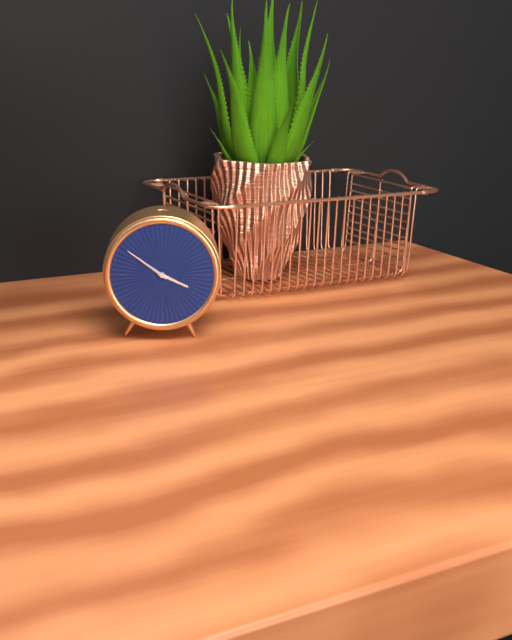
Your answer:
3 h 51 min
